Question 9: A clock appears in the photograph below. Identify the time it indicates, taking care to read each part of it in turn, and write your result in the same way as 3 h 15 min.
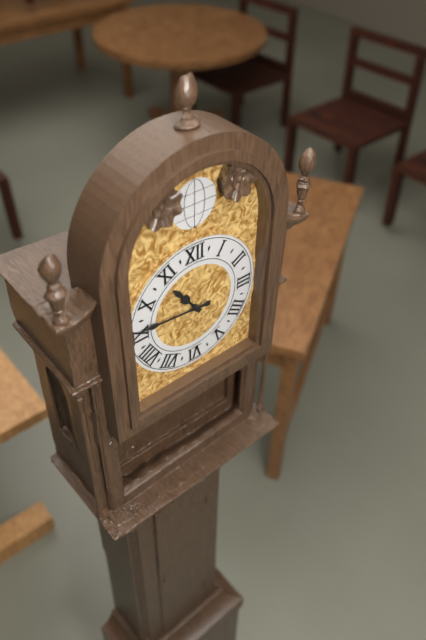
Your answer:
10 h 46 min
